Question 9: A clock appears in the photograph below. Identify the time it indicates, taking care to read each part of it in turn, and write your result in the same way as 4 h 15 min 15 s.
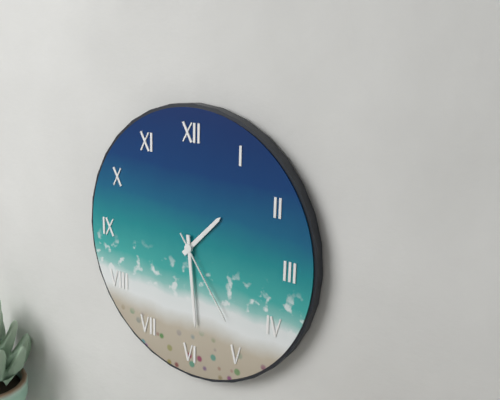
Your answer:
1 h 29 min 24 s
